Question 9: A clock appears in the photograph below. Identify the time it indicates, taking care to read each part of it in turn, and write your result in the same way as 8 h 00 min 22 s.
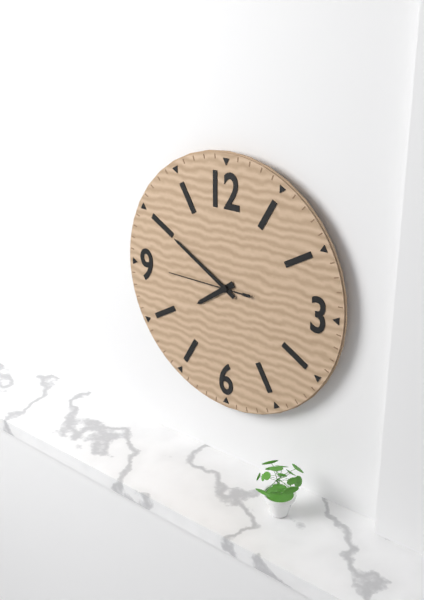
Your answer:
7 h 50 min 45 s
